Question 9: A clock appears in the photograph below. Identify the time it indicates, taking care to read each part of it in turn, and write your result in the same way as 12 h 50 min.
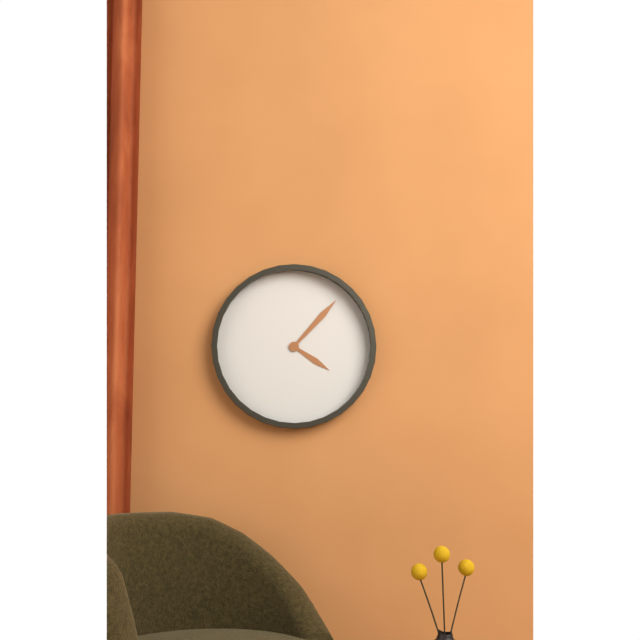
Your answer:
4 h 07 min
